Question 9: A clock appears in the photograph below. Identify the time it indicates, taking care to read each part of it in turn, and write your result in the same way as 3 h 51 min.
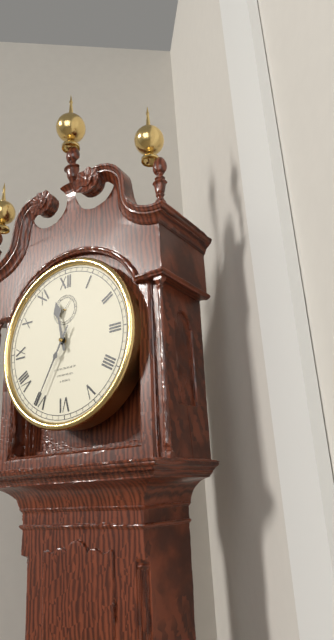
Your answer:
11 h 35 min
